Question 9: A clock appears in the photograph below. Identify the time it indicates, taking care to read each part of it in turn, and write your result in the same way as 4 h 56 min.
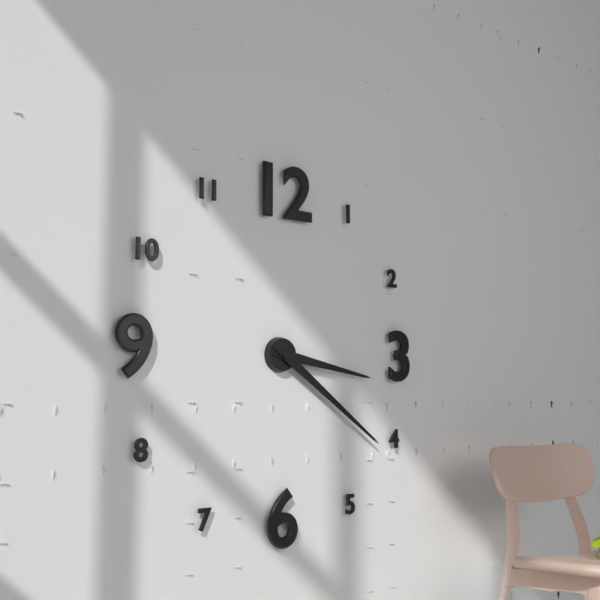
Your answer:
3 h 21 min
